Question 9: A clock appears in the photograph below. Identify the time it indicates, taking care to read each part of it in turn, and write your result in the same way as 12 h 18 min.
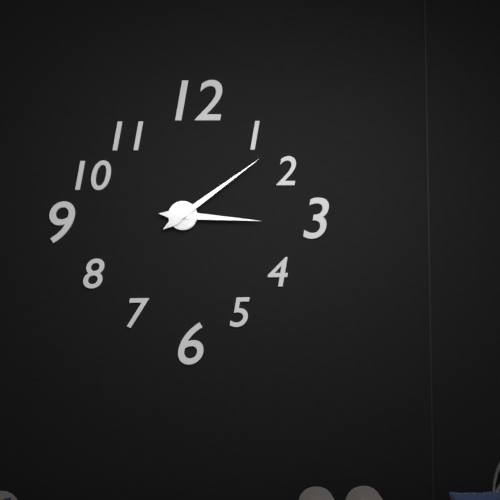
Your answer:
3 h 09 min
